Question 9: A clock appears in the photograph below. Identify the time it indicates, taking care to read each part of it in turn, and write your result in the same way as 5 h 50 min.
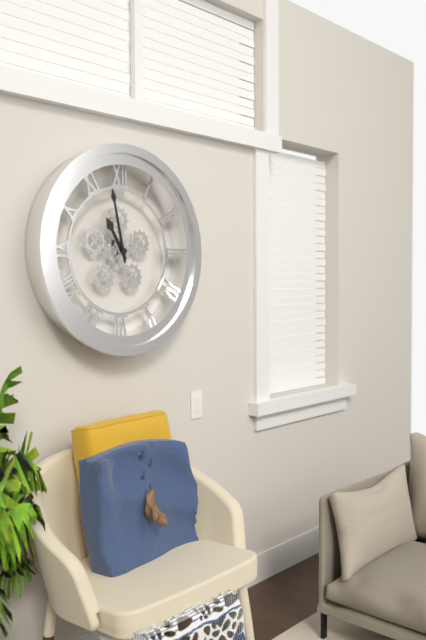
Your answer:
10 h 58 min
